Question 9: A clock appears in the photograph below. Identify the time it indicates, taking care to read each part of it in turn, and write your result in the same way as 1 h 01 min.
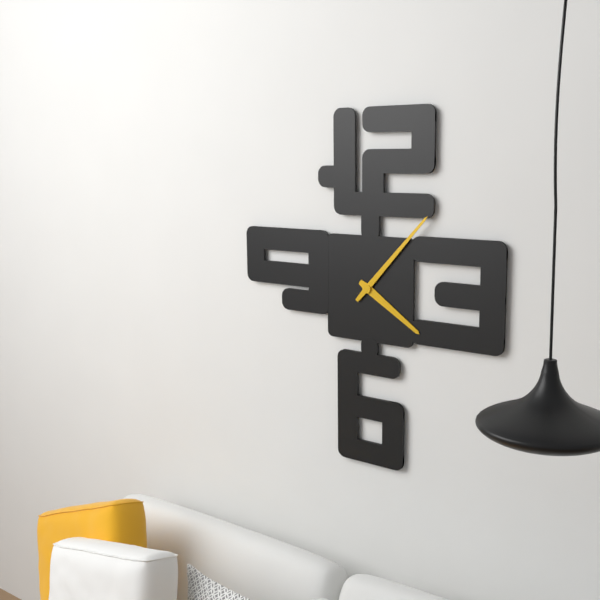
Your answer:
4 h 07 min
